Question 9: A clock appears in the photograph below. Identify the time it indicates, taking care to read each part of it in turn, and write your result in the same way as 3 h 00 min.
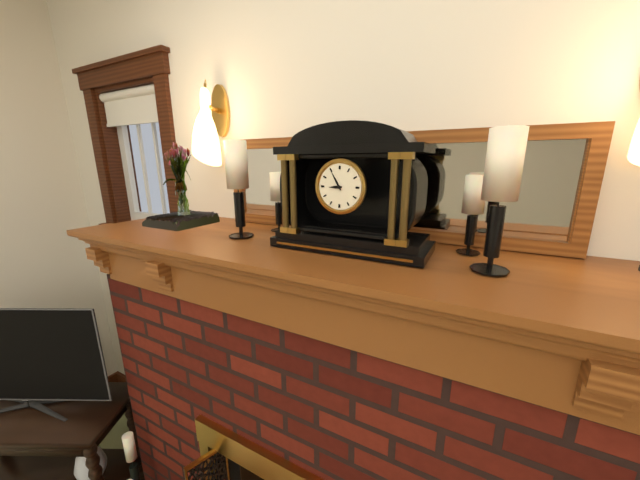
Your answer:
8 h 55 min
